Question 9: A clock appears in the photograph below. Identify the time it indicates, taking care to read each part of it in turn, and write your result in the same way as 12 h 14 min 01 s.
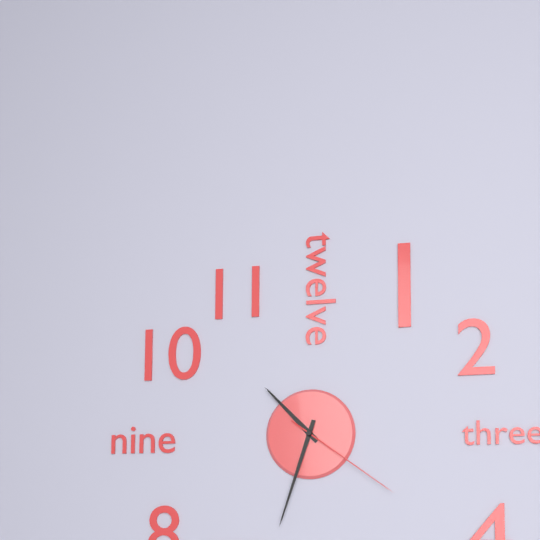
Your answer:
10 h 33 min 21 s
